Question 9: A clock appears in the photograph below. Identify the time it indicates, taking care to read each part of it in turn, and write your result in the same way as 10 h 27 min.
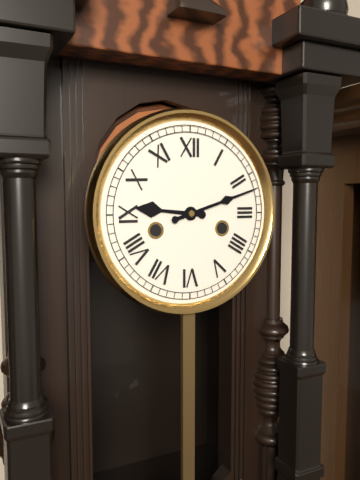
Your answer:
9 h 12 min
